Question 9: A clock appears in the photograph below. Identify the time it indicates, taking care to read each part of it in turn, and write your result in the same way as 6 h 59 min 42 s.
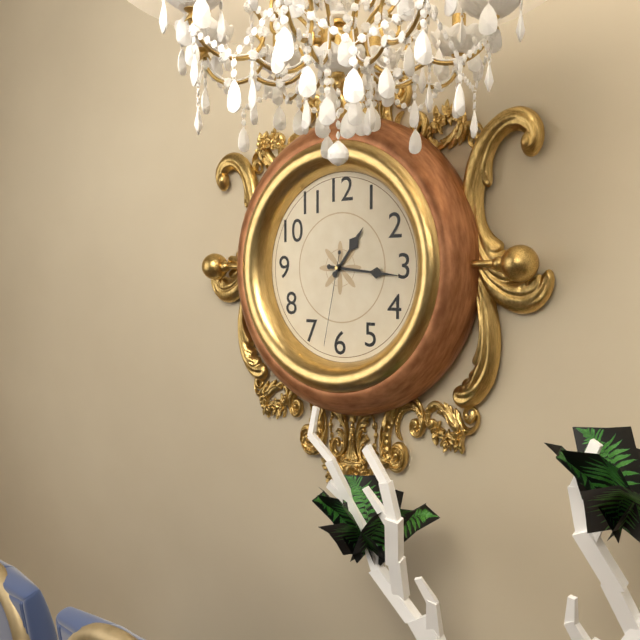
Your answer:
1 h 16 min 32 s
